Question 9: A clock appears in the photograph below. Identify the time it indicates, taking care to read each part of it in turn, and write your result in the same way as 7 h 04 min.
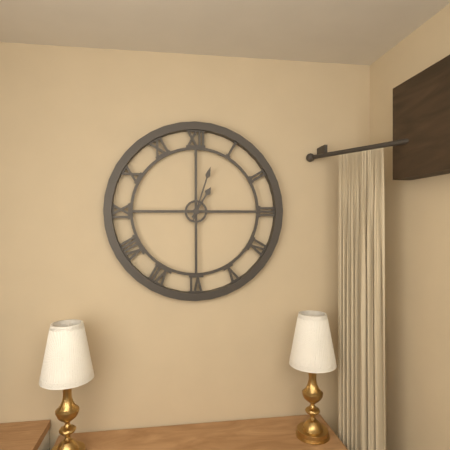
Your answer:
1 h 03 min
